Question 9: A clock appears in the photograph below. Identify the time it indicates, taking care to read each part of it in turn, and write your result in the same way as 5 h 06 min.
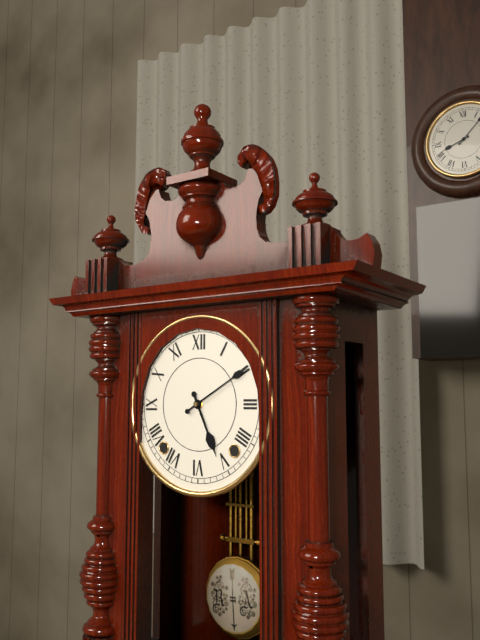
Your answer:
5 h 10 min
